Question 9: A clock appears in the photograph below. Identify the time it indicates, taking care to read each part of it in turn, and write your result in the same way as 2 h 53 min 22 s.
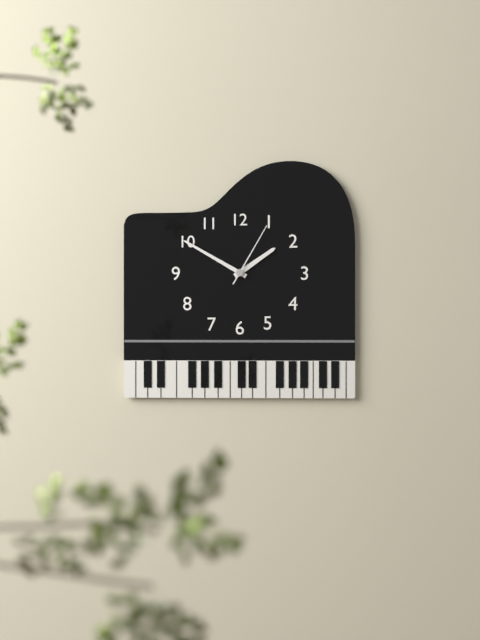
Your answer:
1 h 50 min 05 s
